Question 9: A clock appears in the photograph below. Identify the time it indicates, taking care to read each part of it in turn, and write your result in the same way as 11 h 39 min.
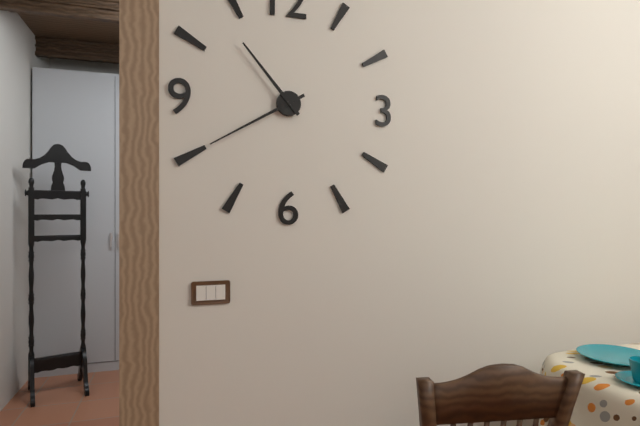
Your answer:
10 h 40 min
